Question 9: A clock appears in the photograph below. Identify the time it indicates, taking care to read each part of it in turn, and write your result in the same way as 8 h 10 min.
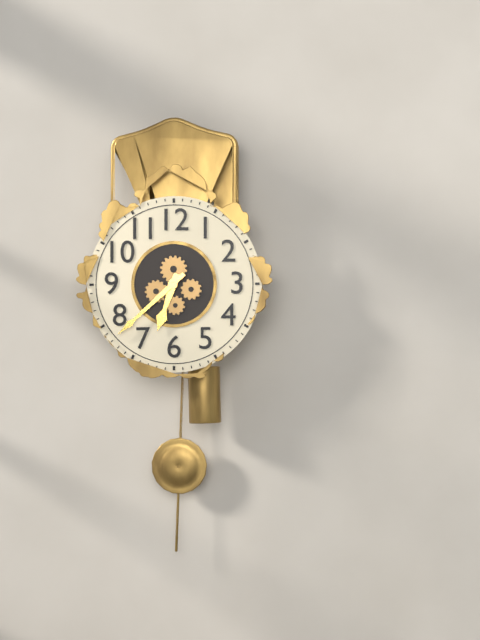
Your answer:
6 h 38 min
